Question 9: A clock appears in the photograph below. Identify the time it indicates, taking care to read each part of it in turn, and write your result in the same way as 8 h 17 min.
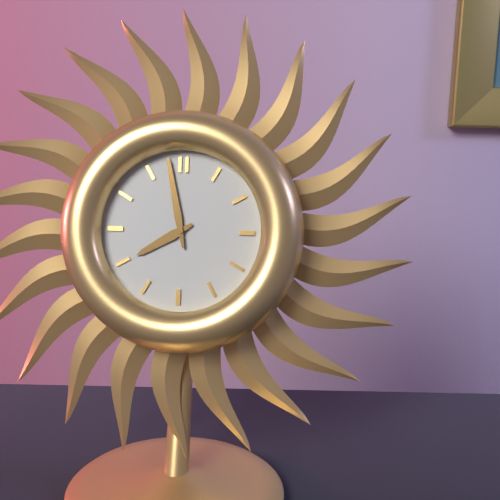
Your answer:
7 h 58 min
